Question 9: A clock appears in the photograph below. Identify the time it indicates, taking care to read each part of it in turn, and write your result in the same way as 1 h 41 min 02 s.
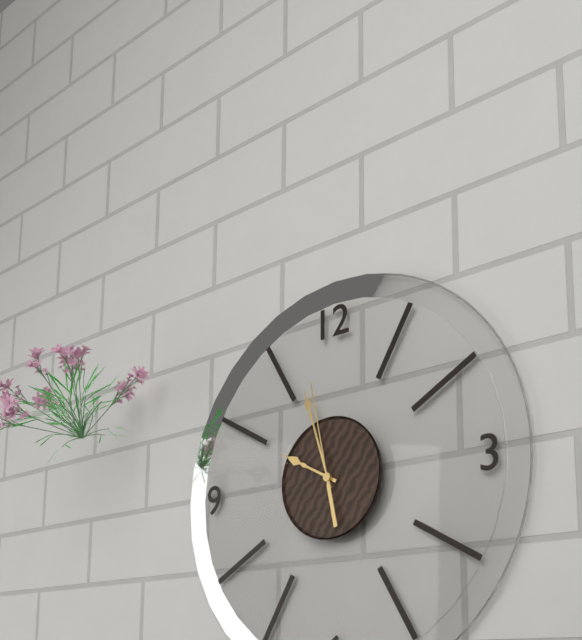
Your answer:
9 h 57 min 58 s
